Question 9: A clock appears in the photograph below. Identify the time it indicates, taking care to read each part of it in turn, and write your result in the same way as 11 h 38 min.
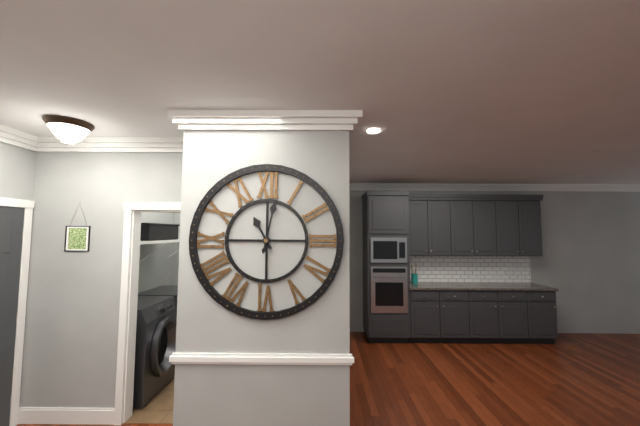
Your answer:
11 h 02 min
